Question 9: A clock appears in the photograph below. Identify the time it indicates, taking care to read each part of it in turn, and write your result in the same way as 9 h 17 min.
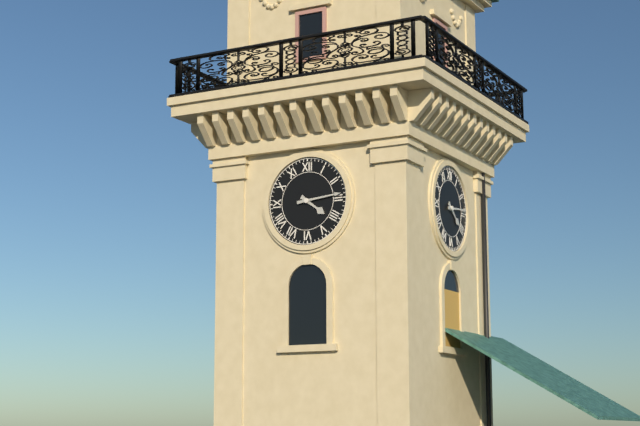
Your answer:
4 h 14 min
